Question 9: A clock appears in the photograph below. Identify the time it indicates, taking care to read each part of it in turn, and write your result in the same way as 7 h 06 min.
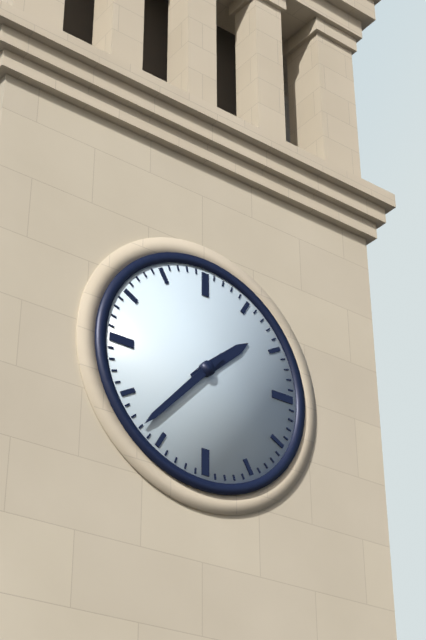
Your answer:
1 h 37 min
